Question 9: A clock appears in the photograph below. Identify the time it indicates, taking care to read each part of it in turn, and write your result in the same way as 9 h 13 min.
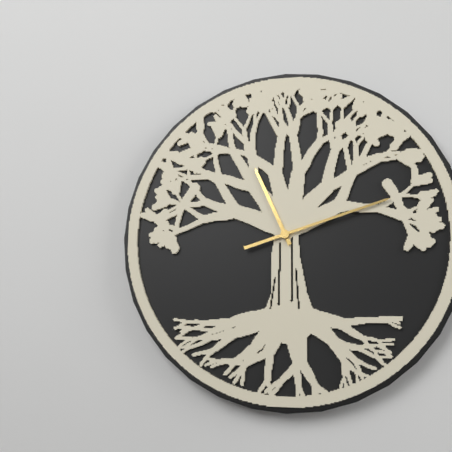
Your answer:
11 h 12 min
